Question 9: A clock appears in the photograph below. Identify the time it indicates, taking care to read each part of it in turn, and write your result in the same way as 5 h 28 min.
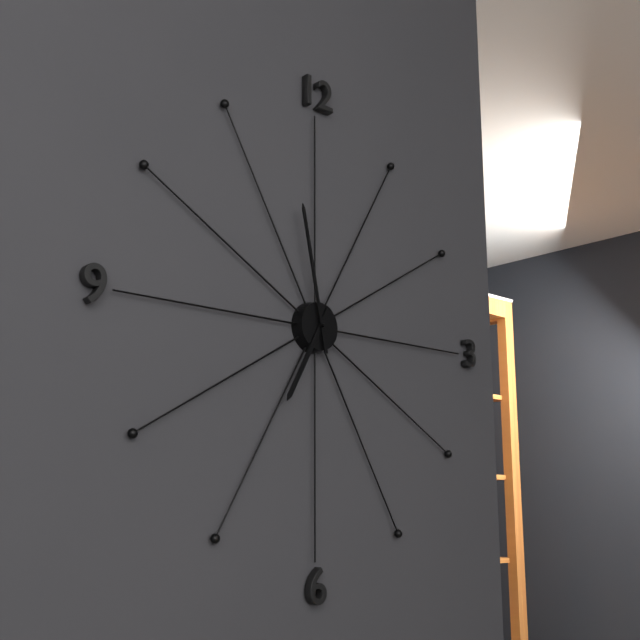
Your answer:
6 h 58 min
